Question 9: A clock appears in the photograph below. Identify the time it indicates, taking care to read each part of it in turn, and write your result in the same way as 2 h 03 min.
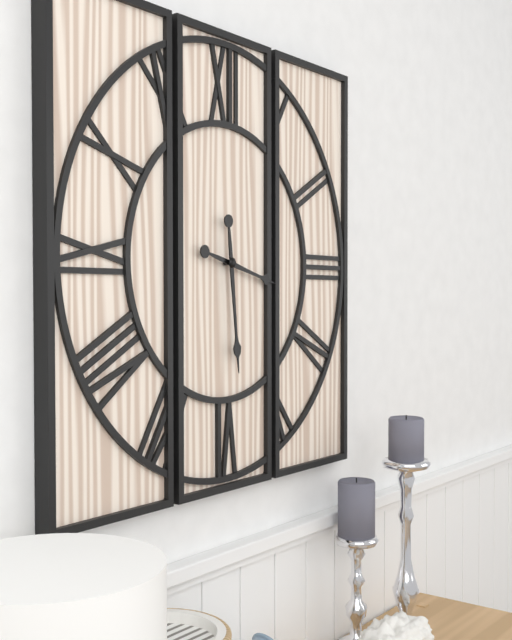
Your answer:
3 h 29 min
